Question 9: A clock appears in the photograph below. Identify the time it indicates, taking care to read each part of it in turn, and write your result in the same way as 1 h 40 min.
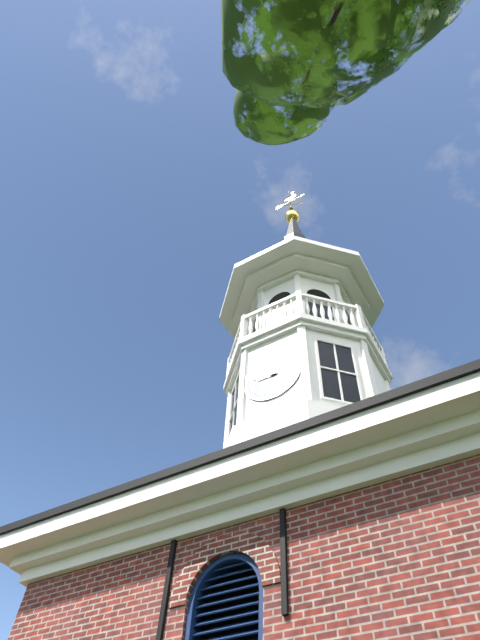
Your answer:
8 h 46 min
